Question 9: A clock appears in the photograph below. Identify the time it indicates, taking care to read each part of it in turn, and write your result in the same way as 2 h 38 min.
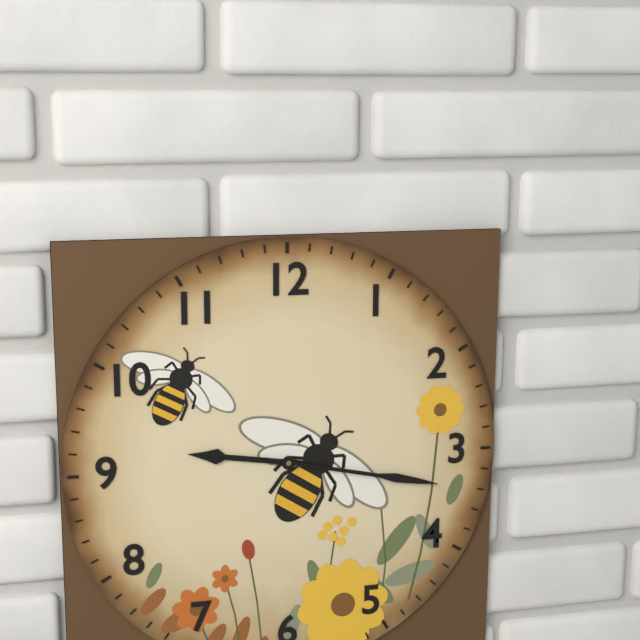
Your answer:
9 h 17 min
